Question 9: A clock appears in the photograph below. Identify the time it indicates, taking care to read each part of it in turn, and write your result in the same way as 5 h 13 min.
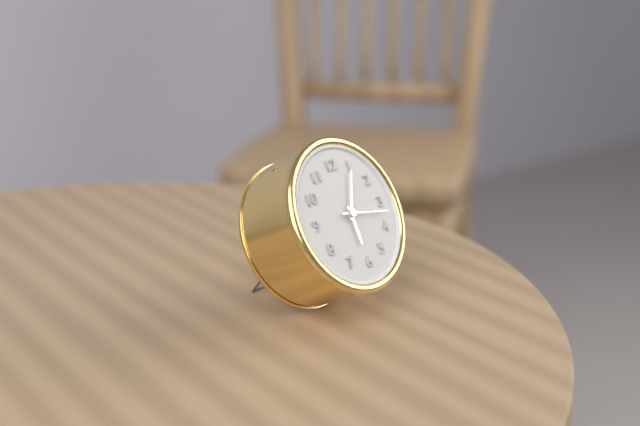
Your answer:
6 h 05 min
